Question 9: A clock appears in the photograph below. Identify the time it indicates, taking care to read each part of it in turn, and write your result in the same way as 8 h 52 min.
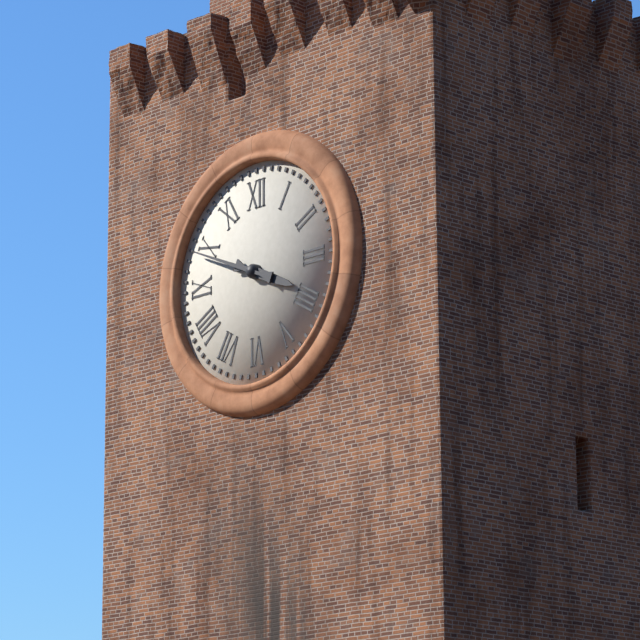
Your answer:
3 h 49 min
